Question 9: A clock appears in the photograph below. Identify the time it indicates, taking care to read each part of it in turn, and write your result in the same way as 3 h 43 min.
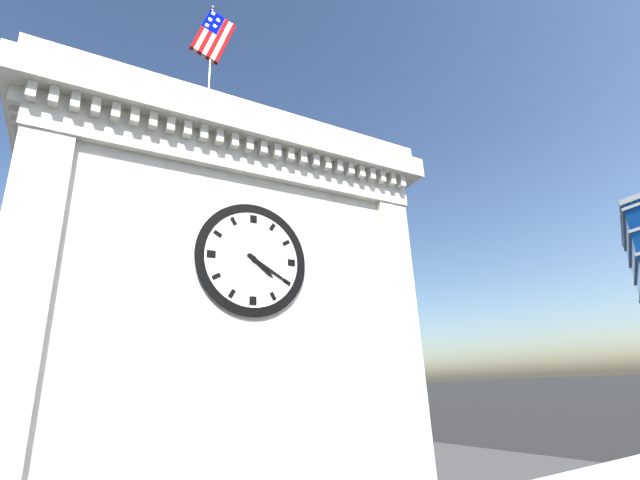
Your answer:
4 h 20 min
